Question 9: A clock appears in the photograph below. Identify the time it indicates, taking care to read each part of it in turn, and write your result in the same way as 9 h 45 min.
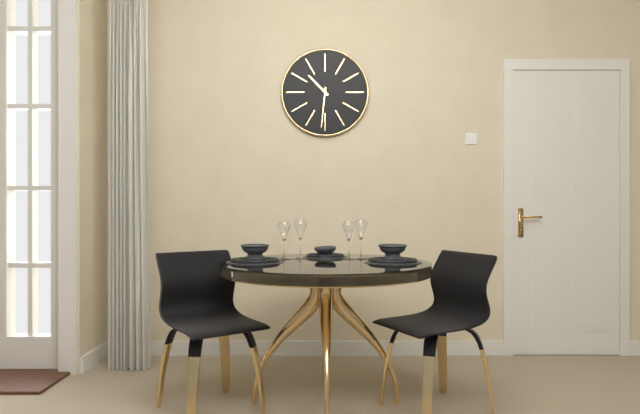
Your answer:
10 h 31 min
